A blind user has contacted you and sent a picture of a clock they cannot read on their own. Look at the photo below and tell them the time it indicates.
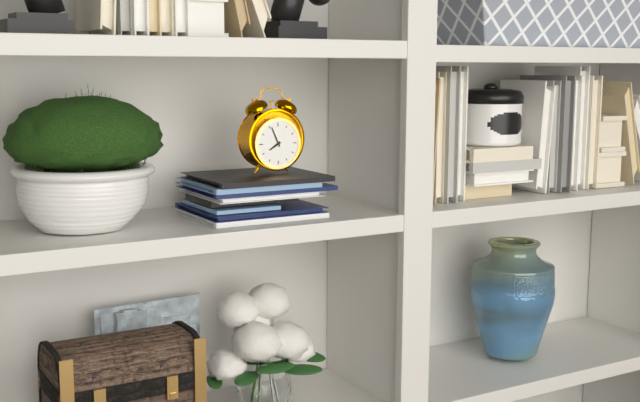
7:56
